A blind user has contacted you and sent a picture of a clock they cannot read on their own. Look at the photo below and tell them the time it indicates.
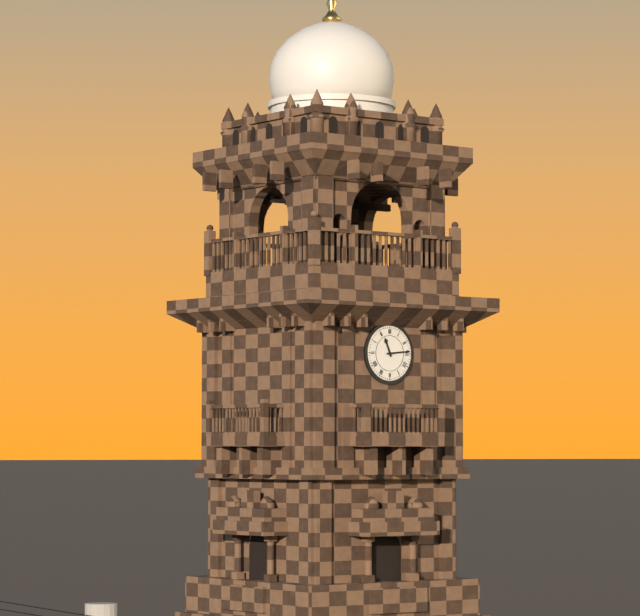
11:14
